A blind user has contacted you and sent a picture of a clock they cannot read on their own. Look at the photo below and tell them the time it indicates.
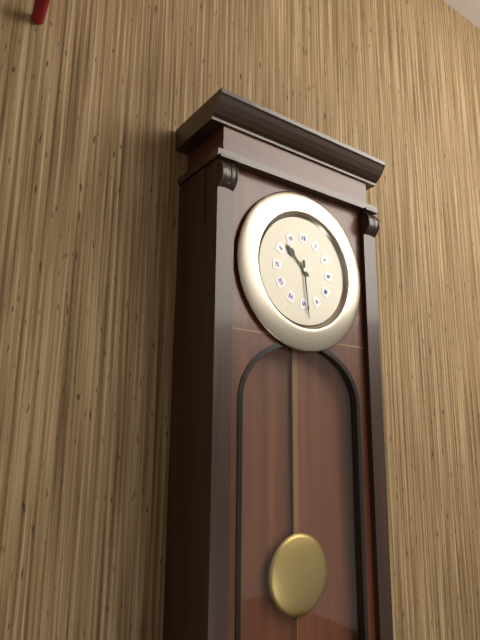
10:29
